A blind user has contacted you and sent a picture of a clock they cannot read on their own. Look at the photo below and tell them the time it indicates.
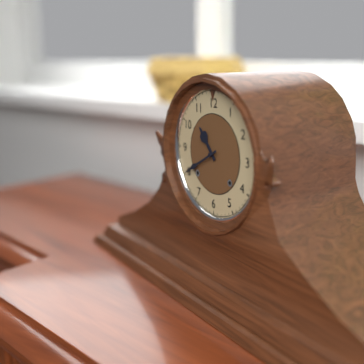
10:40
